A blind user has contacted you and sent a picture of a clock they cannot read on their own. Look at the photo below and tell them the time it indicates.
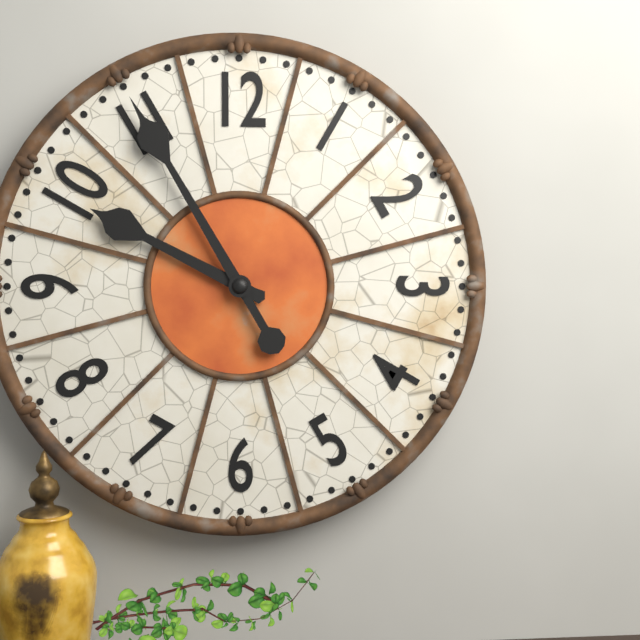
9:55
